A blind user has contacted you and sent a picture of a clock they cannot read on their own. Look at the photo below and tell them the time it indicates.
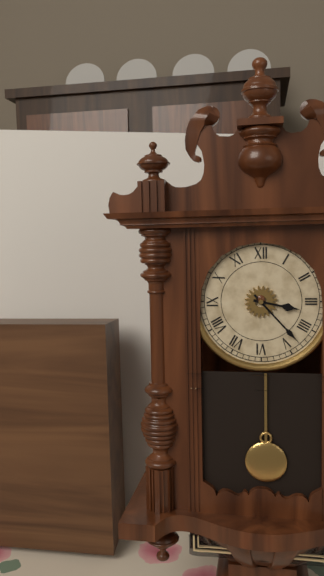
3:23
